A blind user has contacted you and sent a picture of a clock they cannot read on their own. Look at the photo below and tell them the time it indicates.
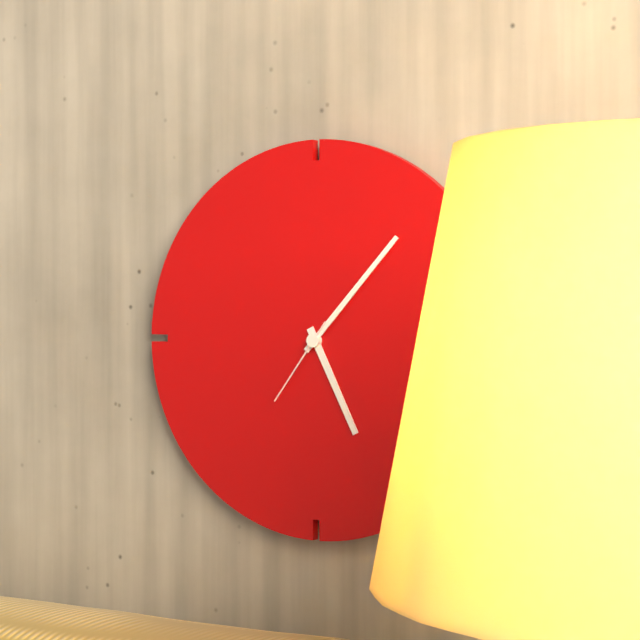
5:07:36
